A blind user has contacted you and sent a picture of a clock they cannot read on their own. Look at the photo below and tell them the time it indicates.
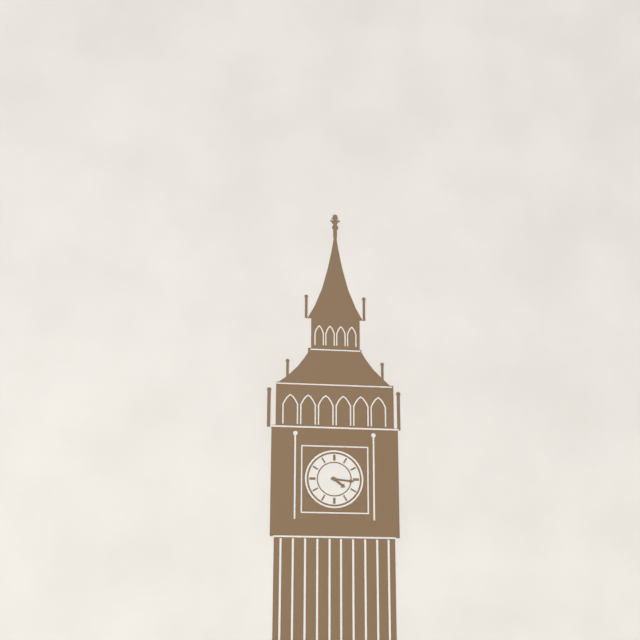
4:16
